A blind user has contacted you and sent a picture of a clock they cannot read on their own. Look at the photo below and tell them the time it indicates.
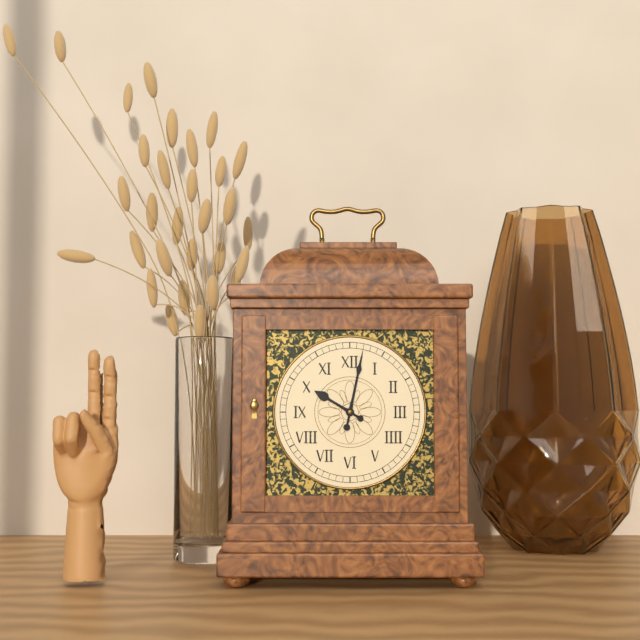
10:02
